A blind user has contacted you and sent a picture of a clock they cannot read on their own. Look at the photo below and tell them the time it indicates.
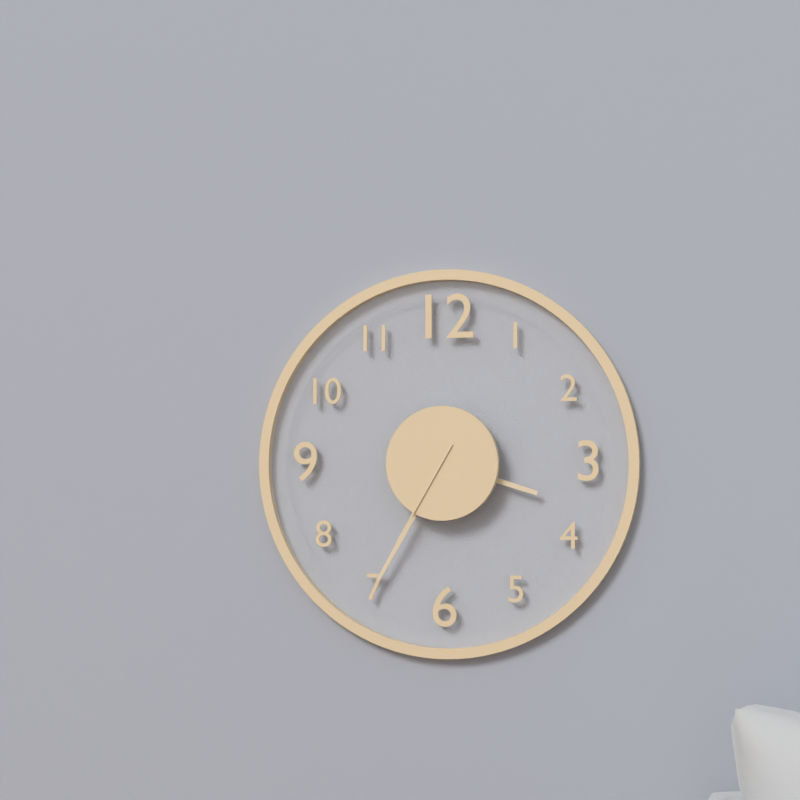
3:35:35
